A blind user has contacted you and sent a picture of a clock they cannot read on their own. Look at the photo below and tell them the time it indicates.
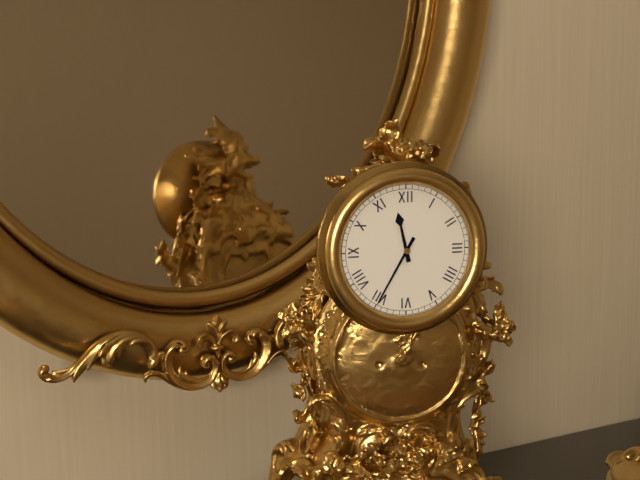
11:35
